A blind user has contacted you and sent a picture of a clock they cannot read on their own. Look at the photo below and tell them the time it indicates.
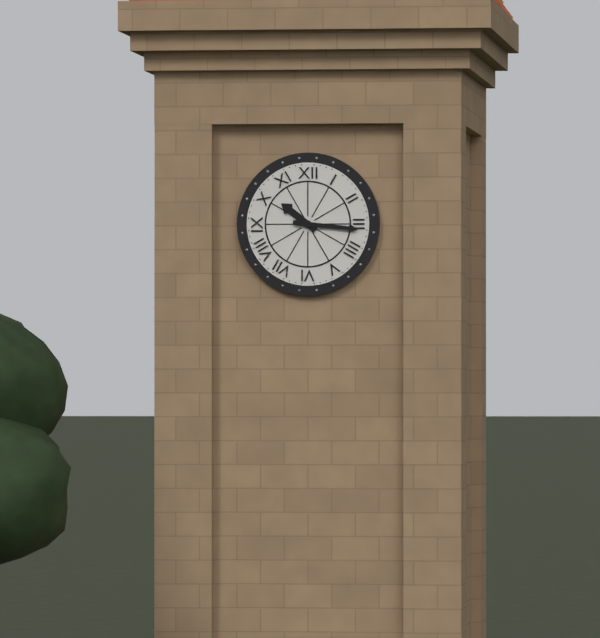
10:16
